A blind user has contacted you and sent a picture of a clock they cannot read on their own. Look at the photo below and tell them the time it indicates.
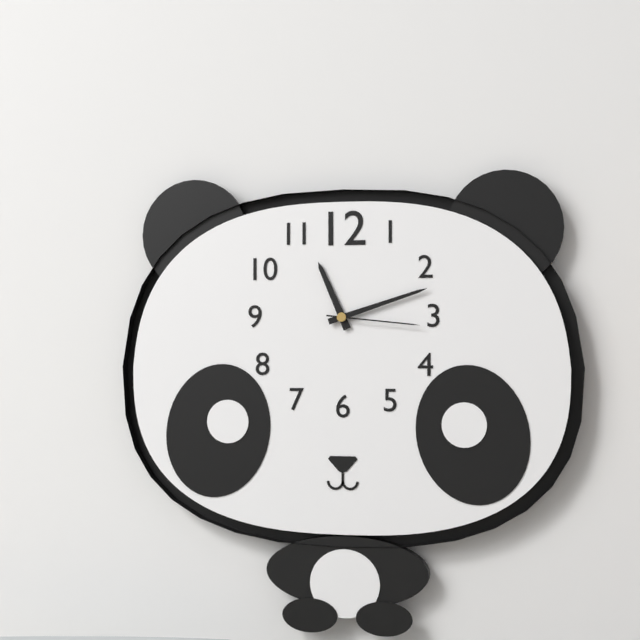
11:12:16
